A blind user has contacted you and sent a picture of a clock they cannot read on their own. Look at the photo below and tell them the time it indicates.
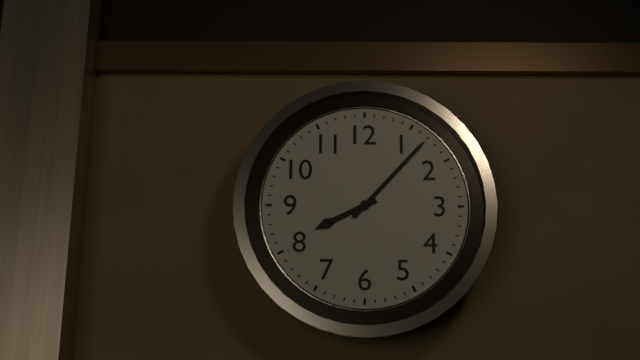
8:07
